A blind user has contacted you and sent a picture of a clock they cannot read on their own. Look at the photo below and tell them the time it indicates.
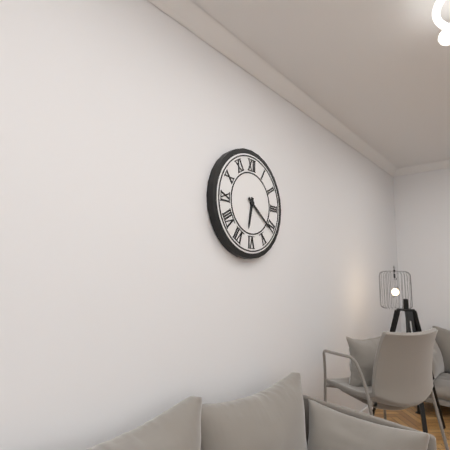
6:21
